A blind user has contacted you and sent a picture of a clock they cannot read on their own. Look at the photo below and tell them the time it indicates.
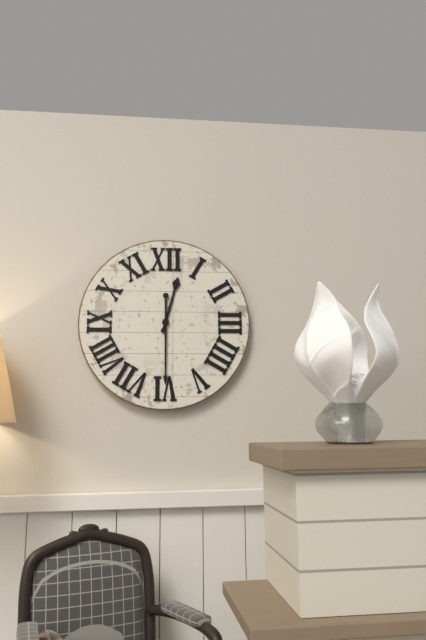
12:30
